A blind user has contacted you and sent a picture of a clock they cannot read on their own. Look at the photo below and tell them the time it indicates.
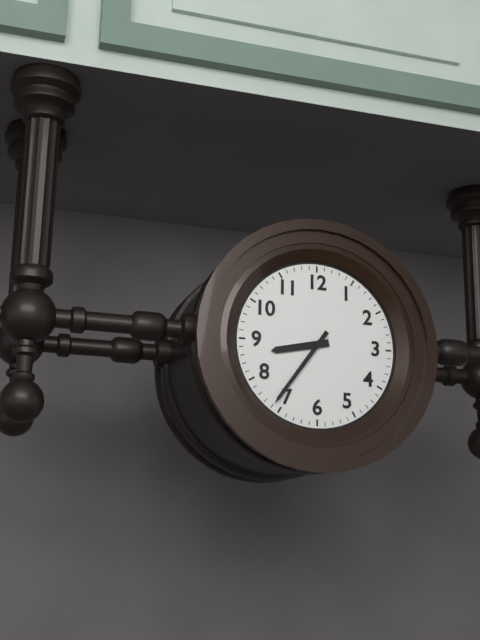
8:36
